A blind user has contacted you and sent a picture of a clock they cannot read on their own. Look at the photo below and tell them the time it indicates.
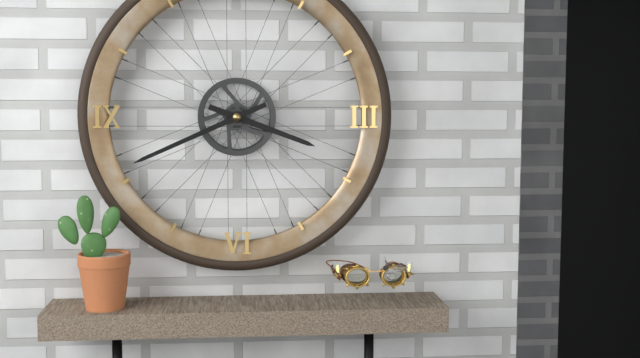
3:41
